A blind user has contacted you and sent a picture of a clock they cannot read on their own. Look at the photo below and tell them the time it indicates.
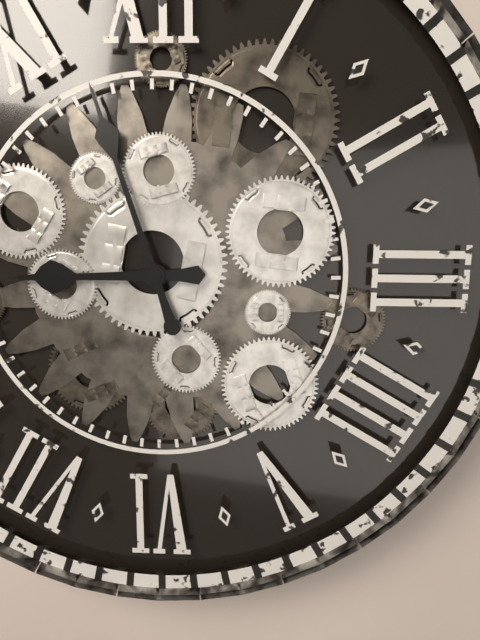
8:57
